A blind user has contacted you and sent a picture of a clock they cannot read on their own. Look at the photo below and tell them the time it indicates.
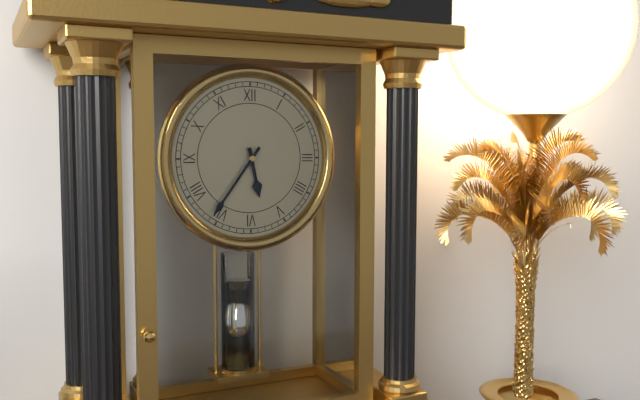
5:36
